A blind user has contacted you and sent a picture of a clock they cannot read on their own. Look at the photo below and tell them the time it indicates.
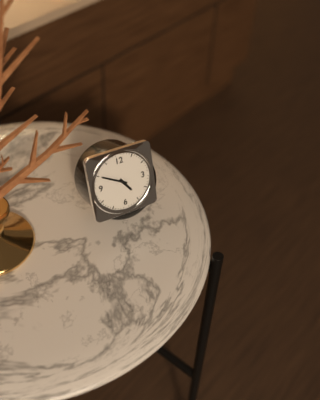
4:50
